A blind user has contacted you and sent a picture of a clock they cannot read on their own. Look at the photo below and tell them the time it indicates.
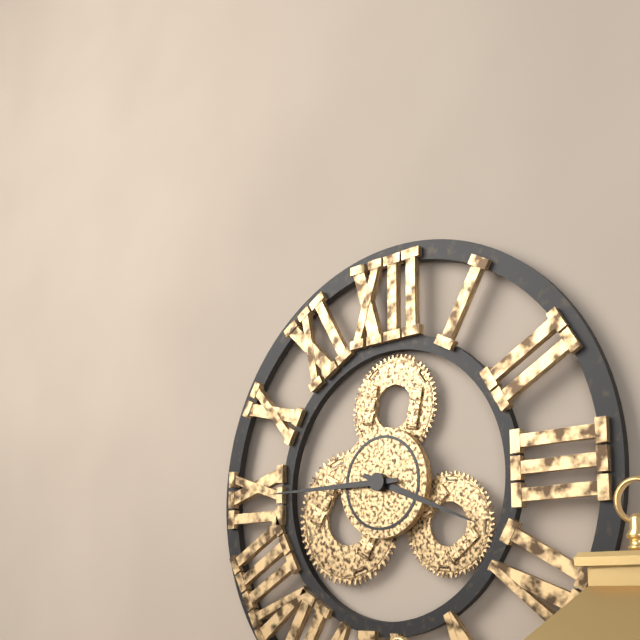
3:45
